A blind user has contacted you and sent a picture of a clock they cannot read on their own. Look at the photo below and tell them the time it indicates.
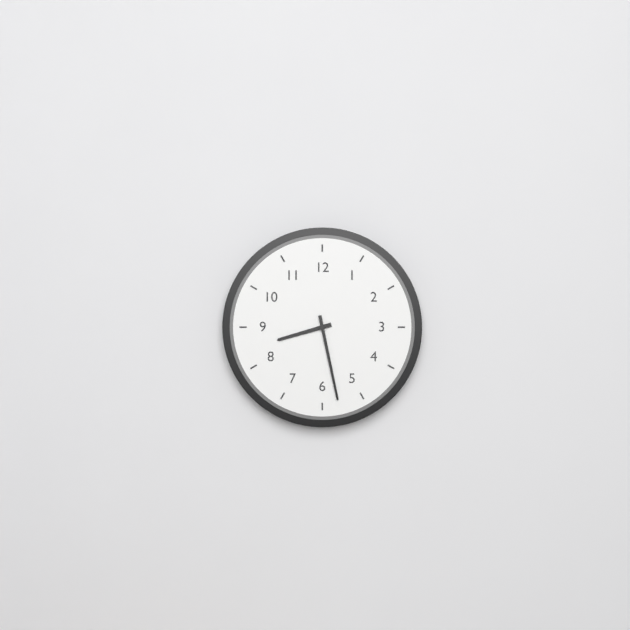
8:28
